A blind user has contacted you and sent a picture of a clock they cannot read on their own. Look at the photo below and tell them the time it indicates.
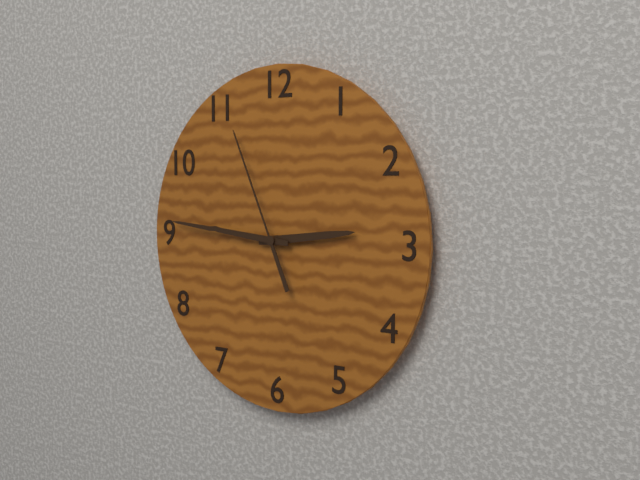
2:46:56
